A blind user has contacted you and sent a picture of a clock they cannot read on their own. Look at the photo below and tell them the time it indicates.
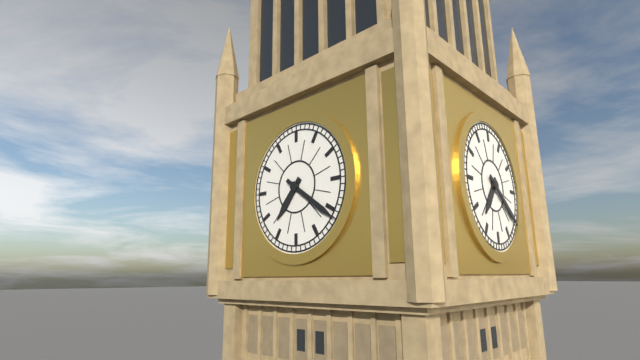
7:21
